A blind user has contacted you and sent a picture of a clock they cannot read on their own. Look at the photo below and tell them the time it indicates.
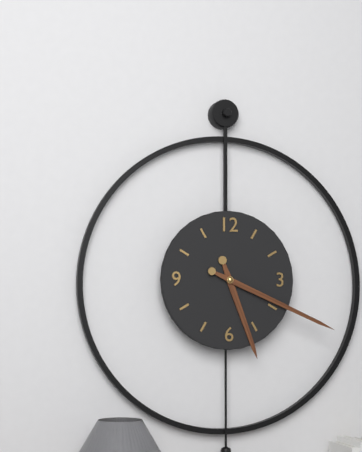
5:19
